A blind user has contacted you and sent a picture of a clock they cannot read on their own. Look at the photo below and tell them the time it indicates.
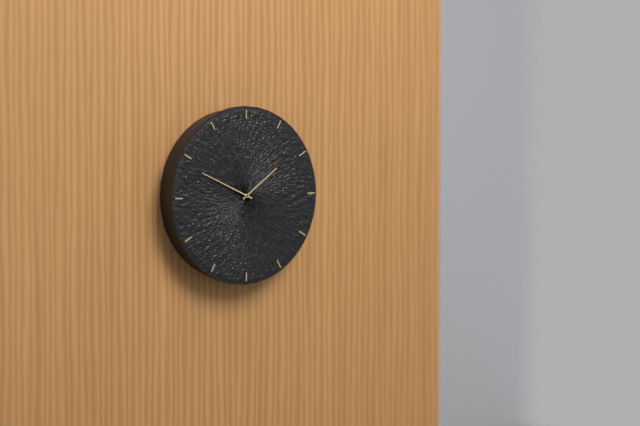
1:49
